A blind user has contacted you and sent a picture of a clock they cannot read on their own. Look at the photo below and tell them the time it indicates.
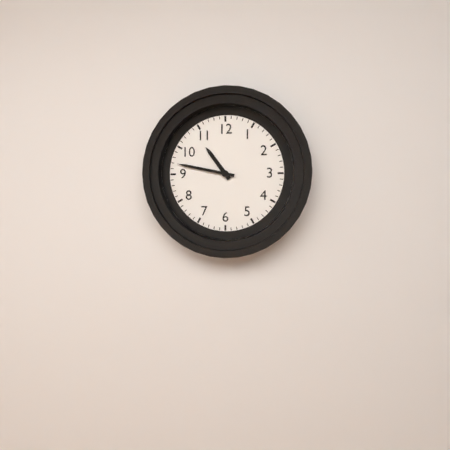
10:47
